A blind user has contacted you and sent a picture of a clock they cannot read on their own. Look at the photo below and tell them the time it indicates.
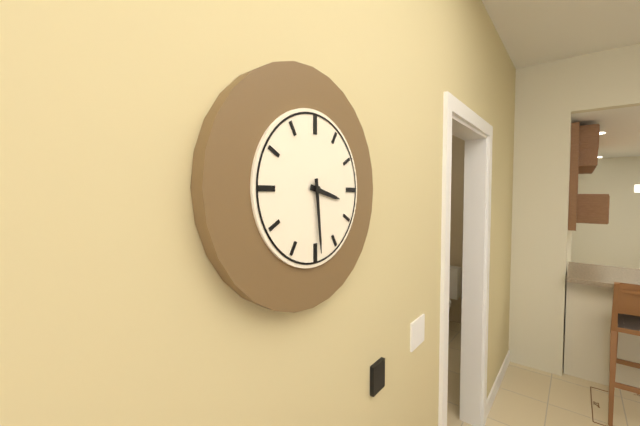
3:29
